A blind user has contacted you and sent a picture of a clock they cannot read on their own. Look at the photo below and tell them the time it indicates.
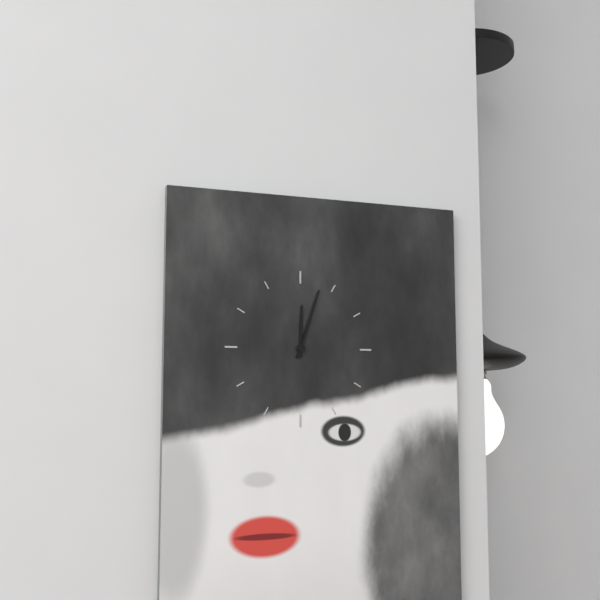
12:03
